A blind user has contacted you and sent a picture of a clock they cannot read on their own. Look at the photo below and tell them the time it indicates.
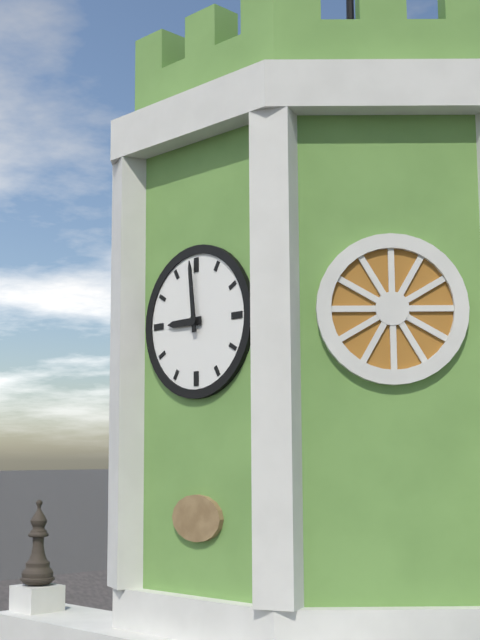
8:59
